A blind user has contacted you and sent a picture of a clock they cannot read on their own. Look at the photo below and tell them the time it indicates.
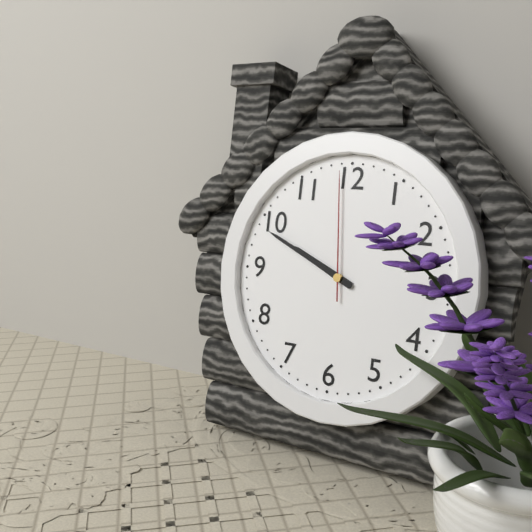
9:49:59
